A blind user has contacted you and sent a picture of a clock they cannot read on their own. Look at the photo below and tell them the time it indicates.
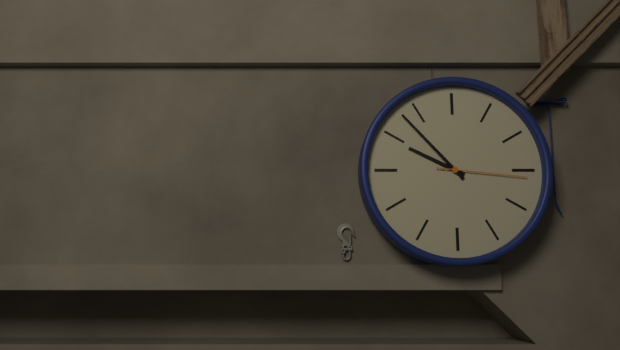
9:53:16
